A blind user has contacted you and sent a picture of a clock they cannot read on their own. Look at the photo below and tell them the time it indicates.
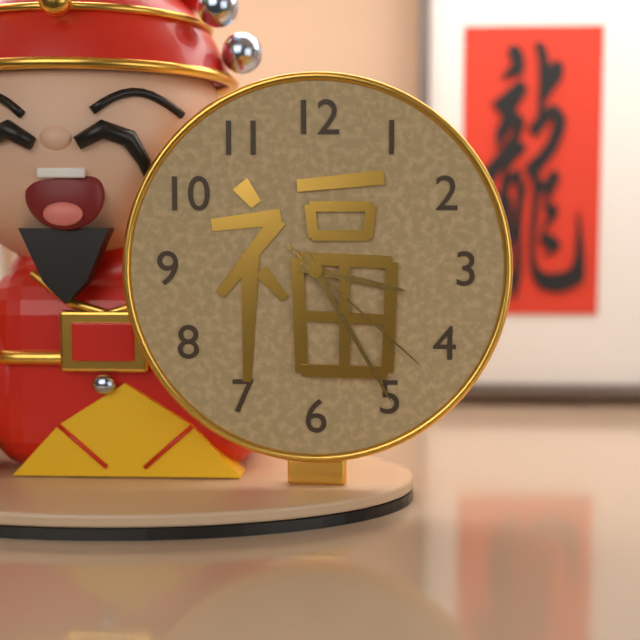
3:25:22
